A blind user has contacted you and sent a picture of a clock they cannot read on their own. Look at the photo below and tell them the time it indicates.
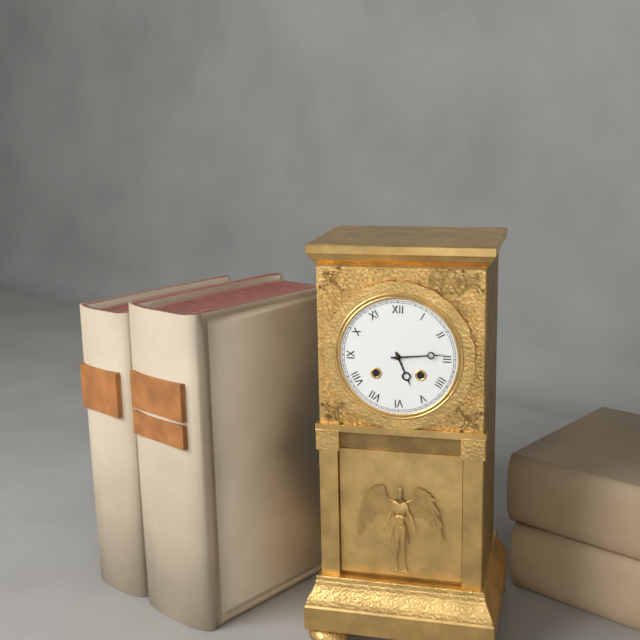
5:14
